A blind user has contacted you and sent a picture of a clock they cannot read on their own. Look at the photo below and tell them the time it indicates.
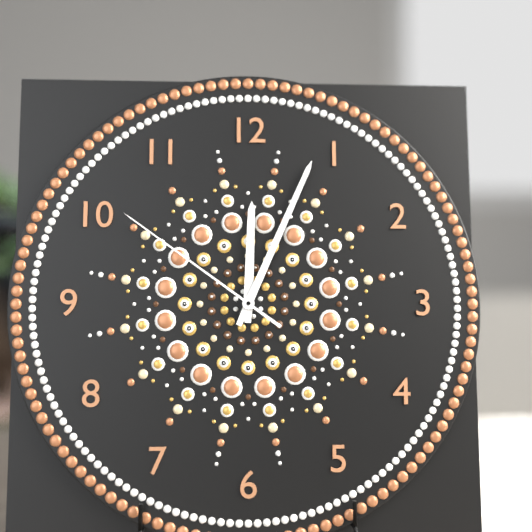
12:04:51
